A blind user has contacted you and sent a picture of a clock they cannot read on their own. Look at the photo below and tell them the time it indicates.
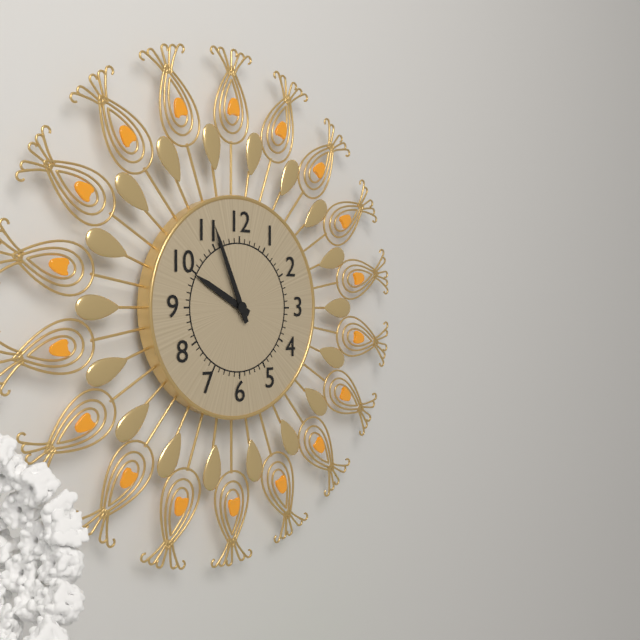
9:56
